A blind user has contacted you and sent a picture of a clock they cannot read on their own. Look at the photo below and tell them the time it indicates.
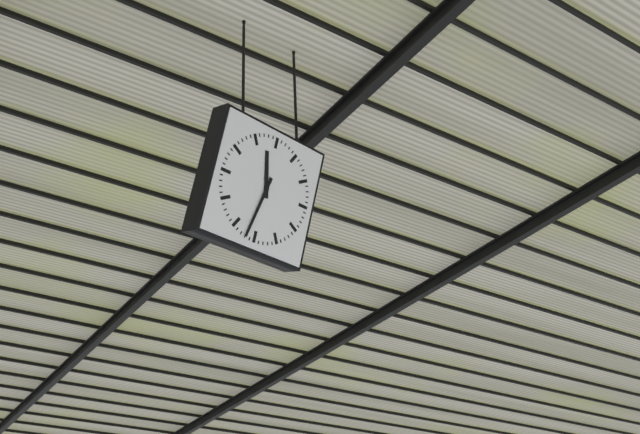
11:32
